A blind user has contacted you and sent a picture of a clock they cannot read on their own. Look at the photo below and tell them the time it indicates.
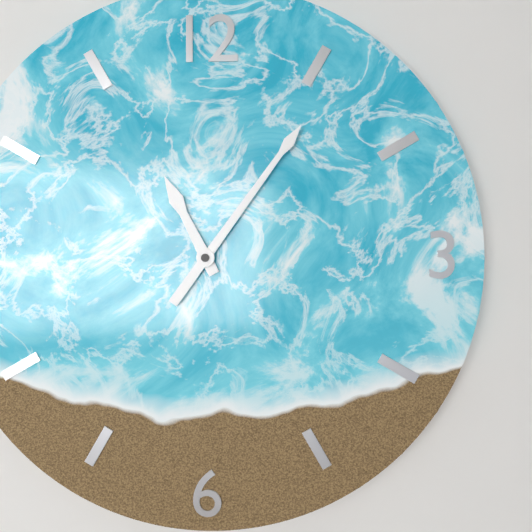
11:06
